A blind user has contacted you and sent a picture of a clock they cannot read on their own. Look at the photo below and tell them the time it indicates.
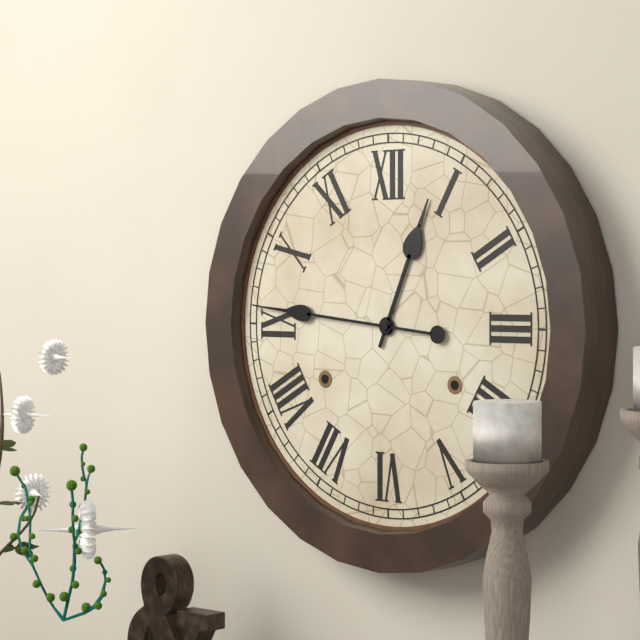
12:46
